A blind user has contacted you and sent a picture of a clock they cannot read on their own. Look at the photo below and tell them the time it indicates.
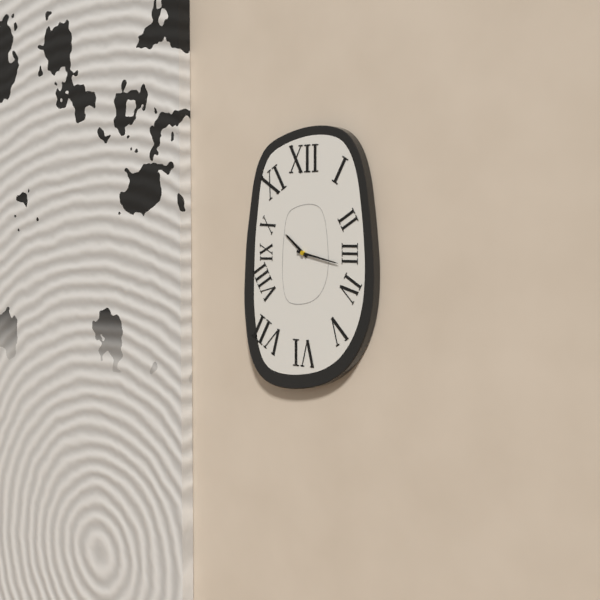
10:17
